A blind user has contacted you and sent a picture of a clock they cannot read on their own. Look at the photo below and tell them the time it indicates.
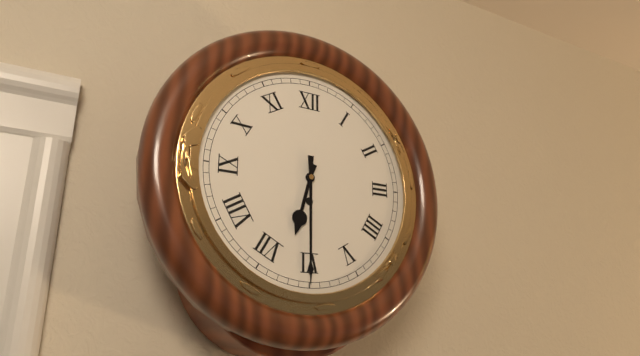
6:30
